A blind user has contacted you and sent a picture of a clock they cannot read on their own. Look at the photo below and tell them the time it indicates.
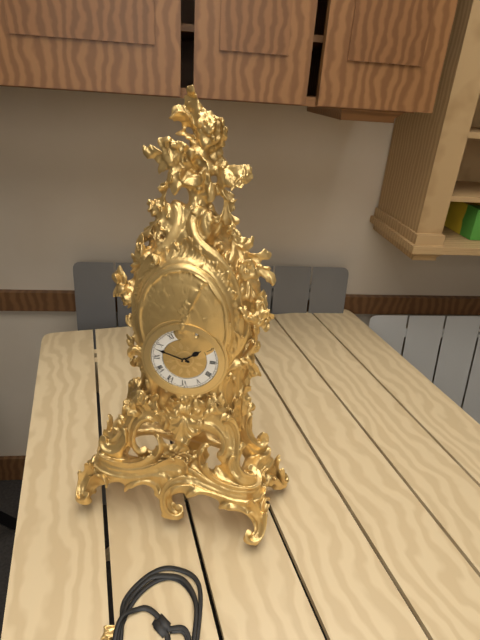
1:48
